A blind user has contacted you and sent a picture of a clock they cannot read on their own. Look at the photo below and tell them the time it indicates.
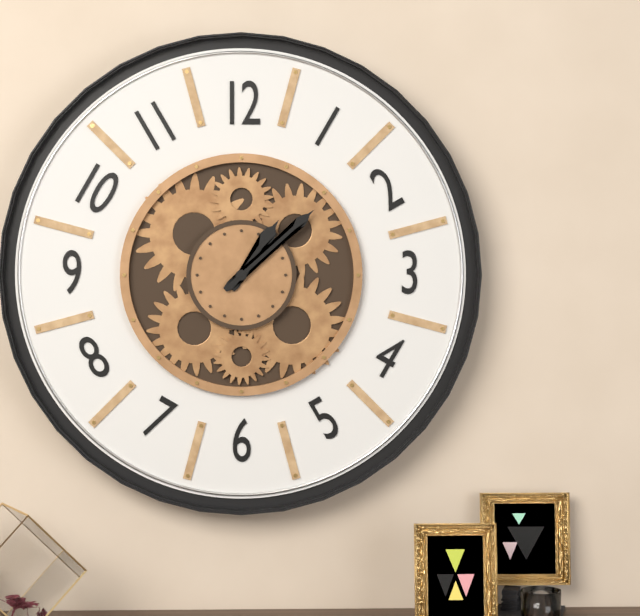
1:08
